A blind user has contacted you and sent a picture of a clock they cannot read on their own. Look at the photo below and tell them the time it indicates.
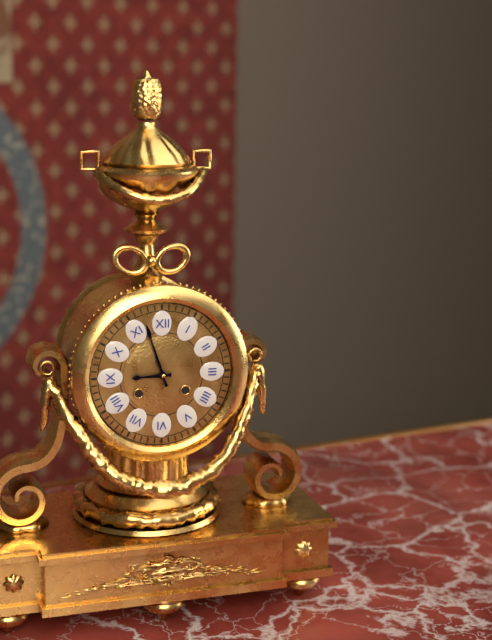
8:57
